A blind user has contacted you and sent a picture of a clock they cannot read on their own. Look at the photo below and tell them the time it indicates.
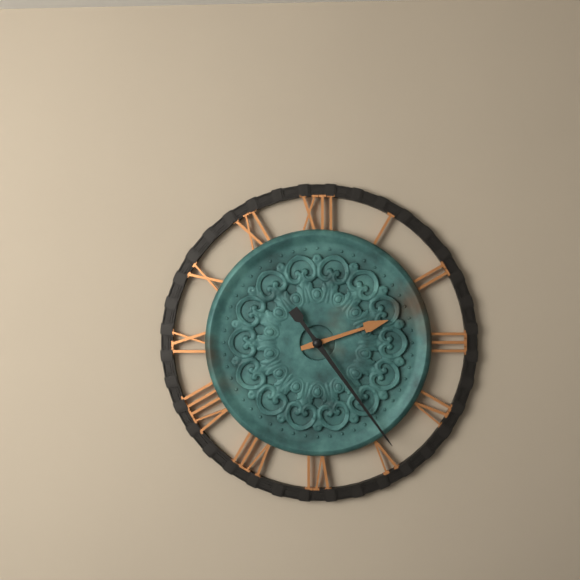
2:24
